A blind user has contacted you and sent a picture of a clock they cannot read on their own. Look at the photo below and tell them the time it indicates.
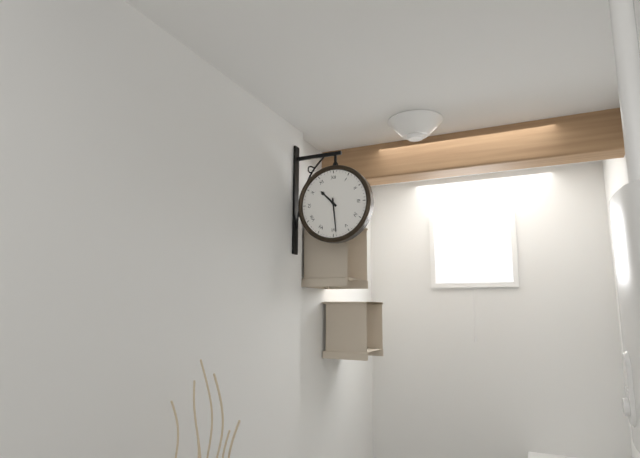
10:29
